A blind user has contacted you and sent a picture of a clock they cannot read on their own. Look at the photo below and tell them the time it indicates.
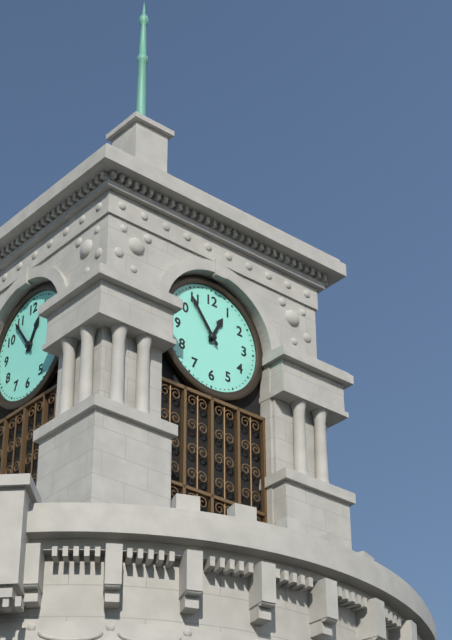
12:54
